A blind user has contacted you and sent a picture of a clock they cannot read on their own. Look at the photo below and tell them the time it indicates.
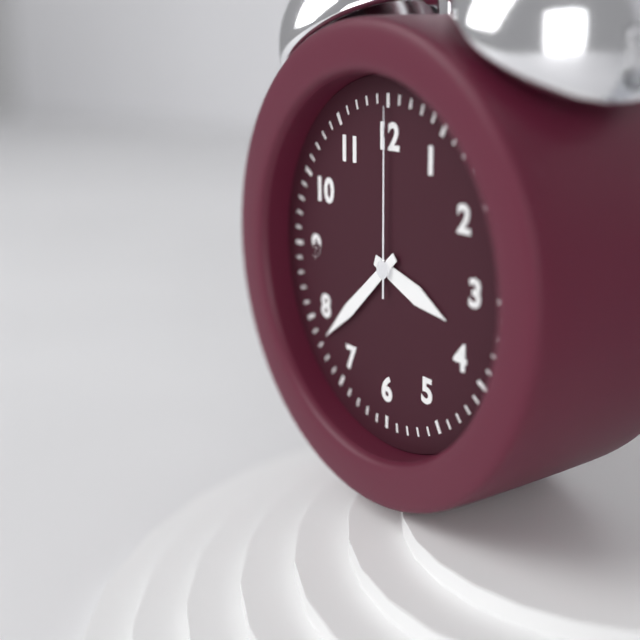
3:38:00
